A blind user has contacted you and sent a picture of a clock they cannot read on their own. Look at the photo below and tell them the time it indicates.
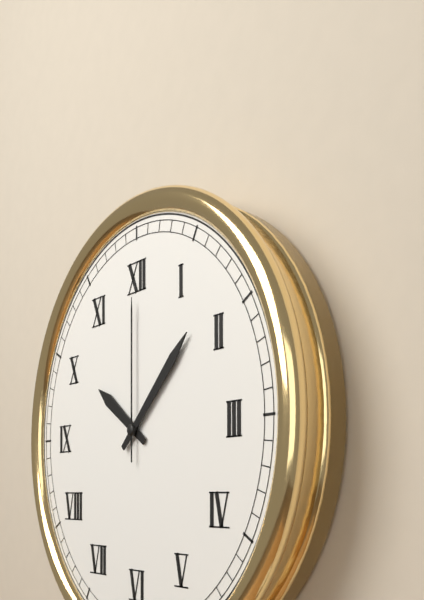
10:08:00
